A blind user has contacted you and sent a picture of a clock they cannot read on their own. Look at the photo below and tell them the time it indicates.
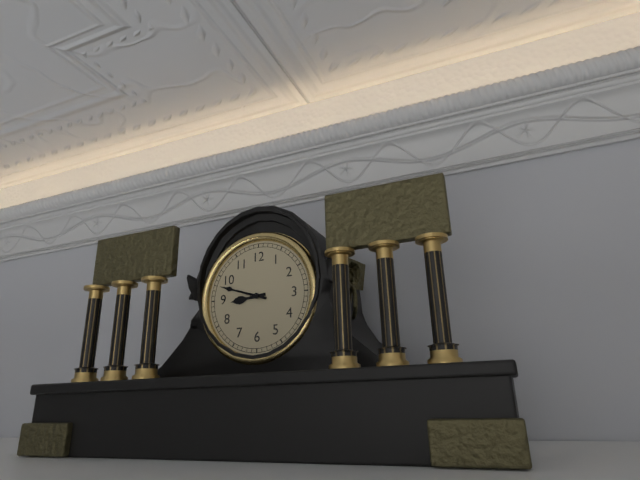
8:48
